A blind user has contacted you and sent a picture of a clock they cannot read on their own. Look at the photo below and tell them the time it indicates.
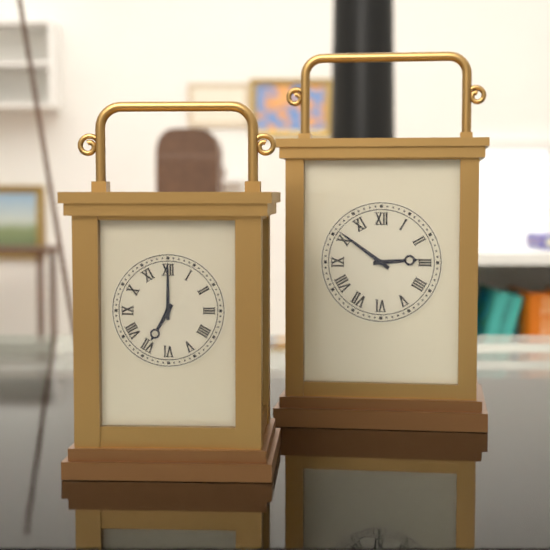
2:51
